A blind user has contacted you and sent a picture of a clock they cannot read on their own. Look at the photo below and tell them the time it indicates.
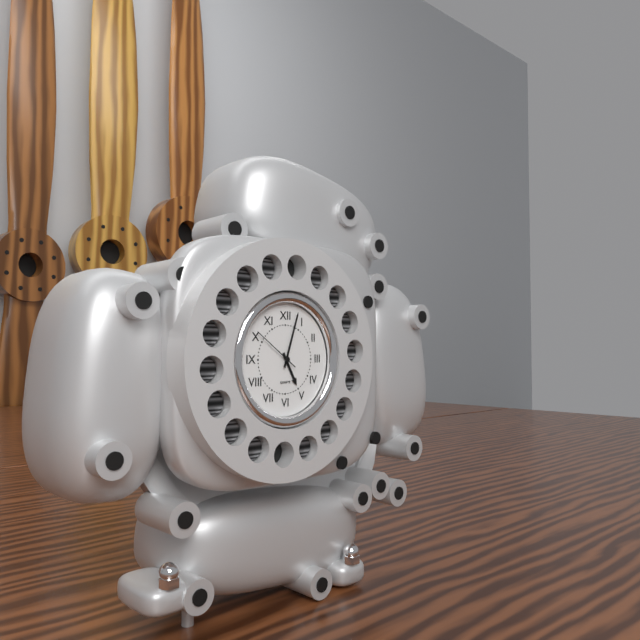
5:03
